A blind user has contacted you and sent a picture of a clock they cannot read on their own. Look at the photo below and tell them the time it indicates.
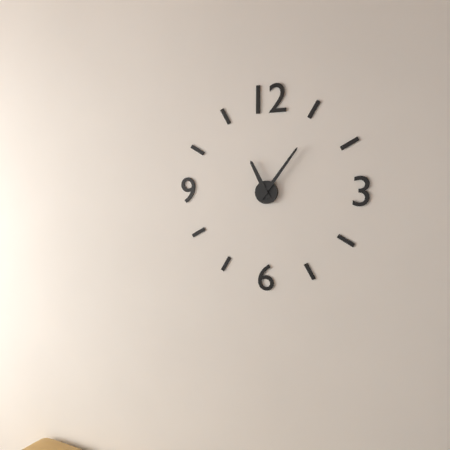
11:06
